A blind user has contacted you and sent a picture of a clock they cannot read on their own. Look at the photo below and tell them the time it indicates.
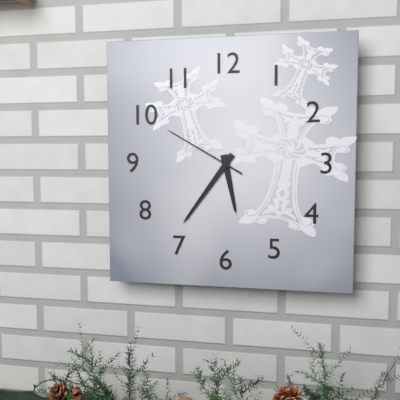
5:36:50
